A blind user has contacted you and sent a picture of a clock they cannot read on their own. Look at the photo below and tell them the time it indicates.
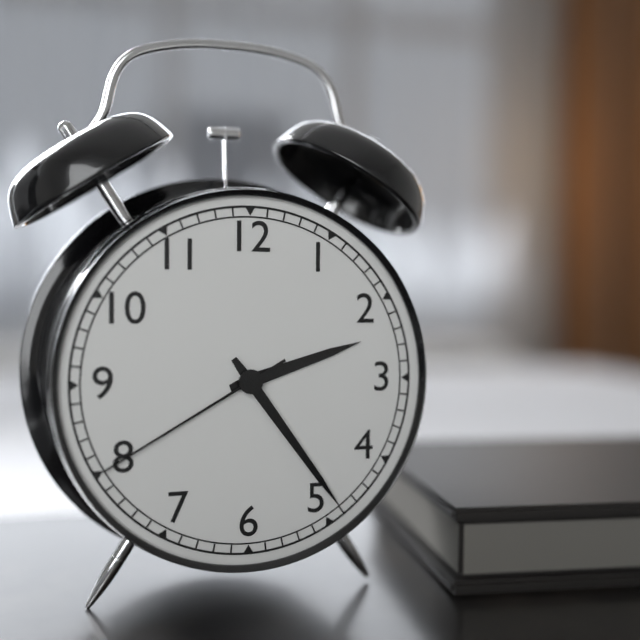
2:24:40
